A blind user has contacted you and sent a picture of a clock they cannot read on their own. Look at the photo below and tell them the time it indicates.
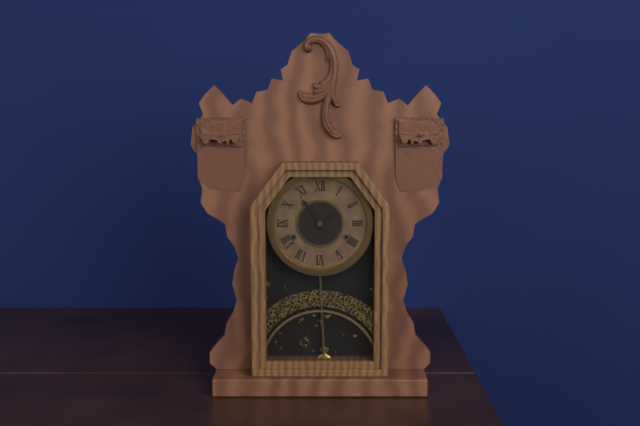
1:54
